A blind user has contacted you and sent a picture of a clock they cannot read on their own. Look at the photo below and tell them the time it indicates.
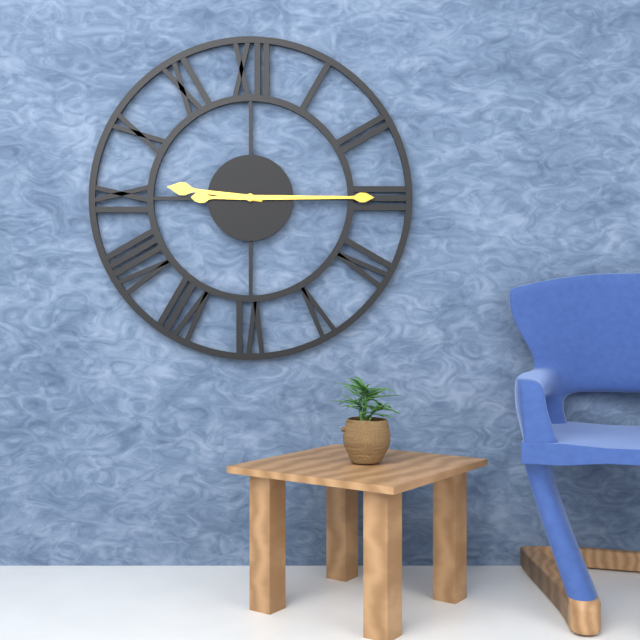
9:15
